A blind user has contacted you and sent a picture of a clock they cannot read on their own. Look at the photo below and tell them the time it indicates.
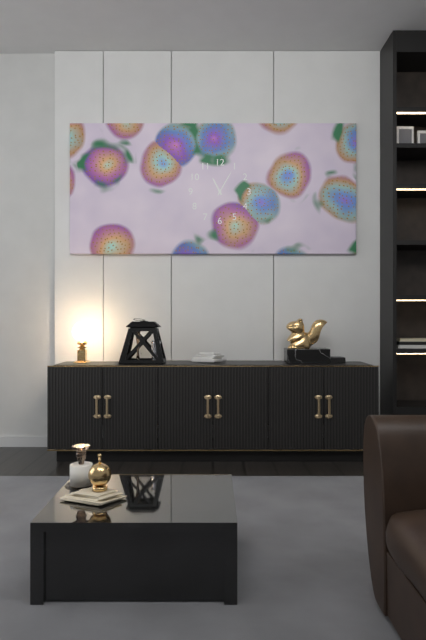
11:05
